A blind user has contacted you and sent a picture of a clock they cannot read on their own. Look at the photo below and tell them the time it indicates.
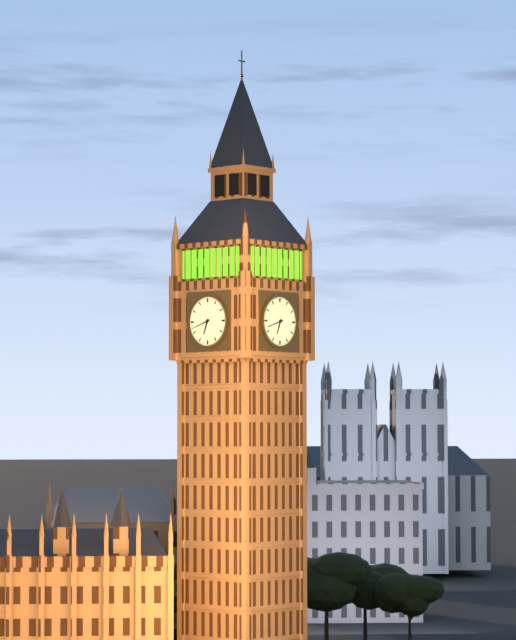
6:42
